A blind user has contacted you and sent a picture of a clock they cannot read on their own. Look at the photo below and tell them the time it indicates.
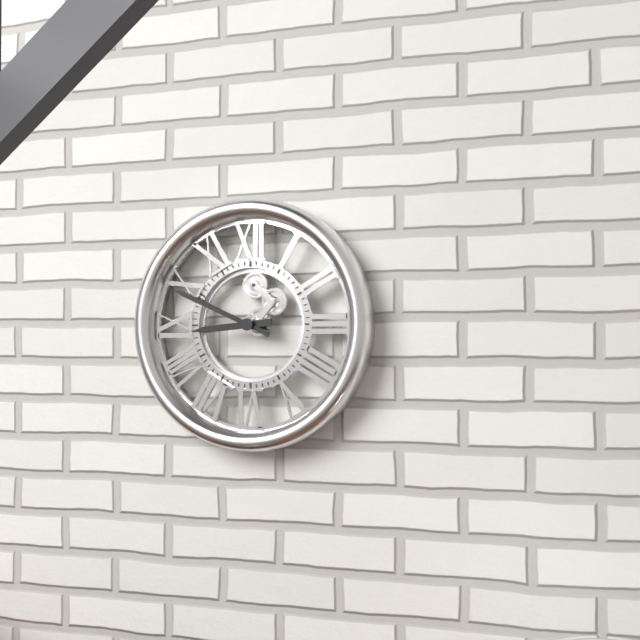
8:49
